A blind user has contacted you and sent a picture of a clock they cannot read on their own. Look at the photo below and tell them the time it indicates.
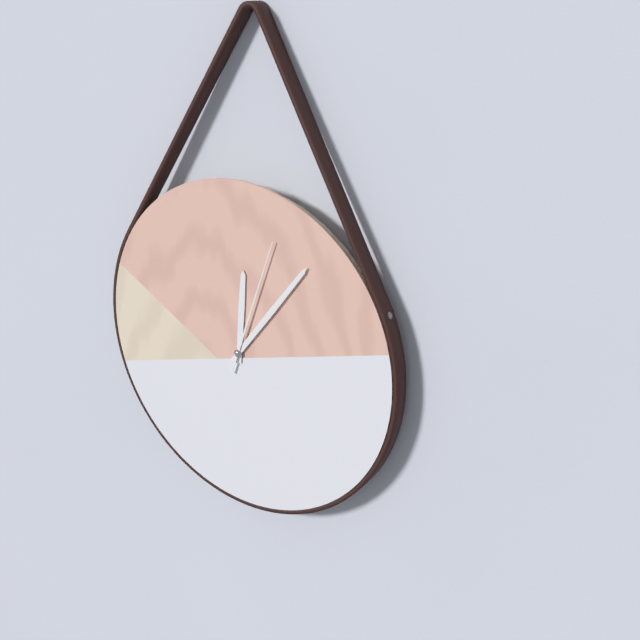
12:06:03
